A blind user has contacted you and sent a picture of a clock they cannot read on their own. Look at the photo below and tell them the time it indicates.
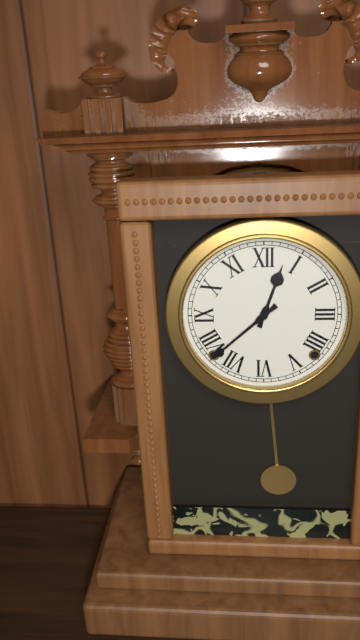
12:38
